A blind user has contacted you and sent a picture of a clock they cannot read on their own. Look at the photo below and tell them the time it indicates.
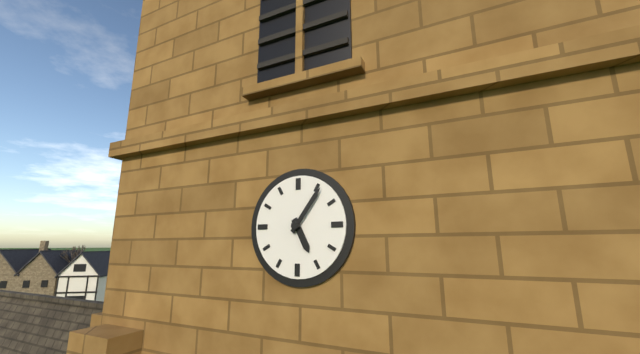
5:06
